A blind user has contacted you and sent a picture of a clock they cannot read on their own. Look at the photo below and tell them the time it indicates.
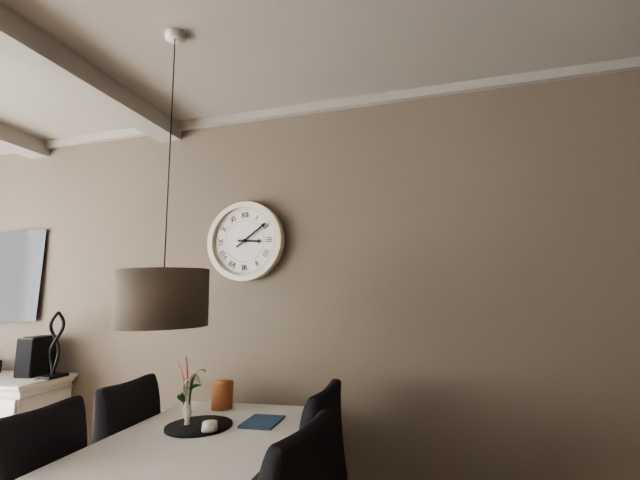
3:09
